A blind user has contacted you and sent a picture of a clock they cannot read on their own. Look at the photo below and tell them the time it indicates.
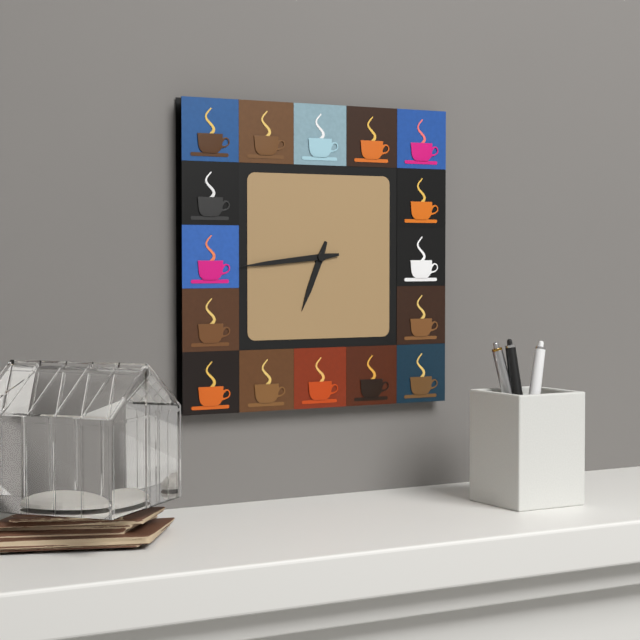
6:44
